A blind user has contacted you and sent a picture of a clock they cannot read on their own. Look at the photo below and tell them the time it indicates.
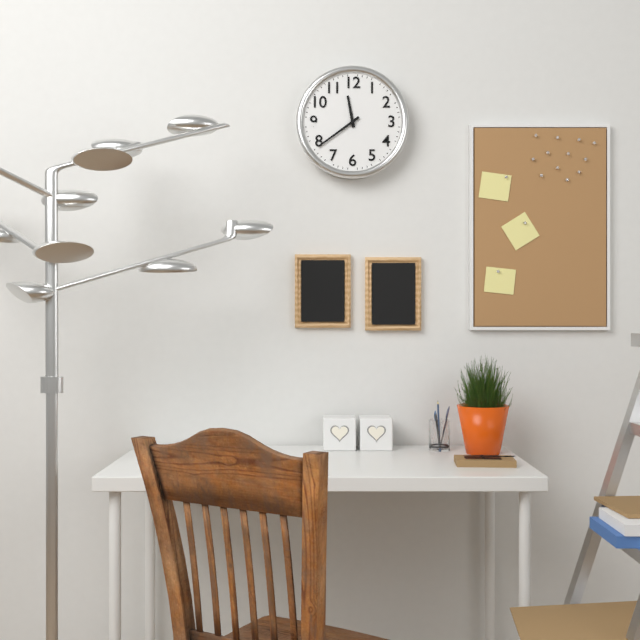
11:39
